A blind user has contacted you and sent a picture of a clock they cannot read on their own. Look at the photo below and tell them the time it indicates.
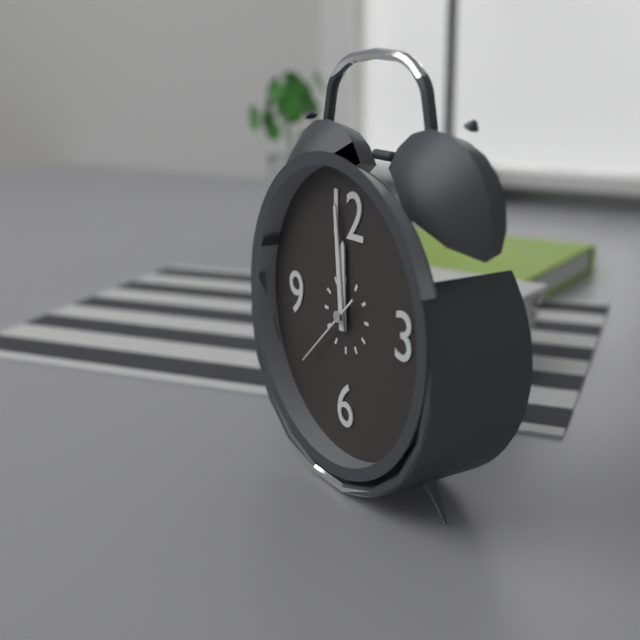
11:59:38
